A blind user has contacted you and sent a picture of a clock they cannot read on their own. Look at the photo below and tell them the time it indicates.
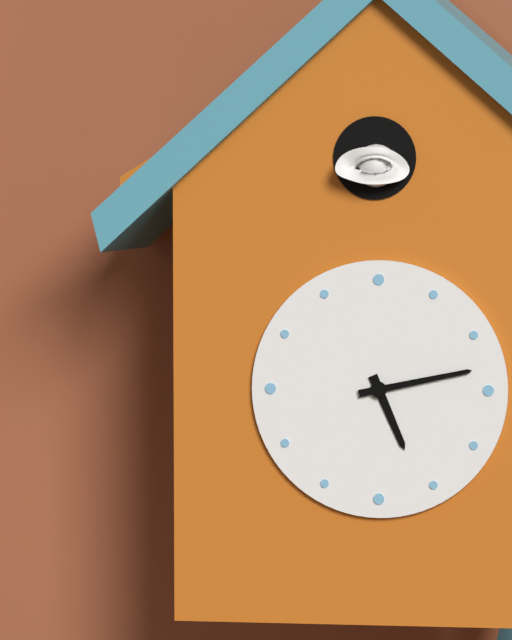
5:13
